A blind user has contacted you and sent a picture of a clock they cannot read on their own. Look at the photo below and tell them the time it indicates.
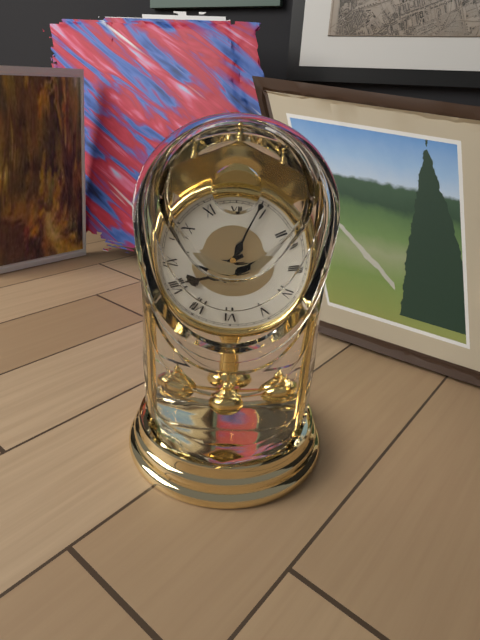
8:04
